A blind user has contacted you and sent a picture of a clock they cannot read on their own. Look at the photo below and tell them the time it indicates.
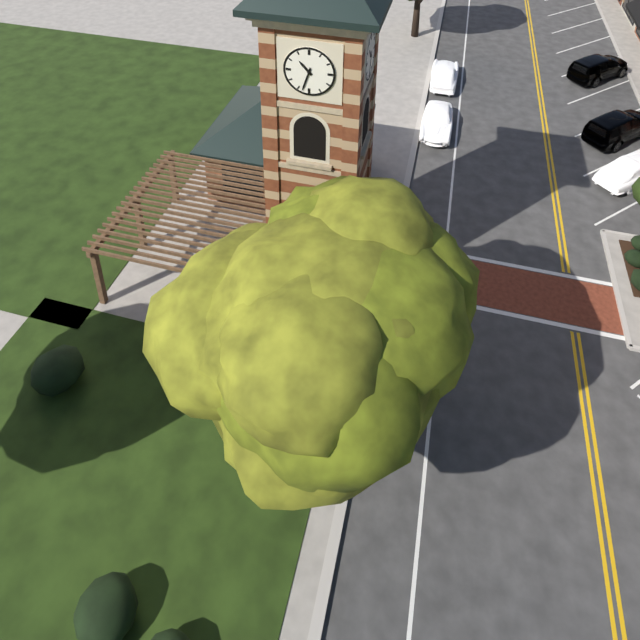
10:33
